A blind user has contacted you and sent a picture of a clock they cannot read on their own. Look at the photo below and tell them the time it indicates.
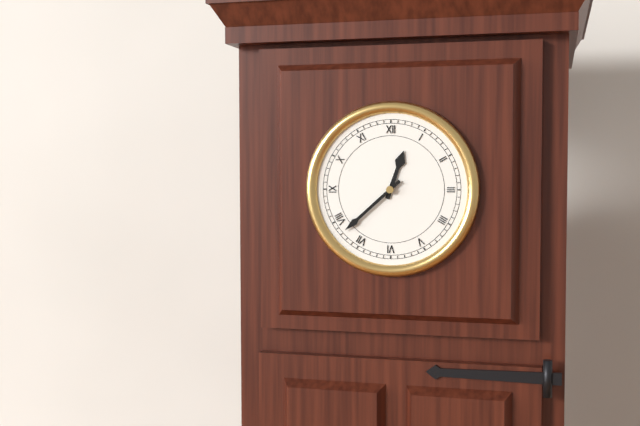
12:38
